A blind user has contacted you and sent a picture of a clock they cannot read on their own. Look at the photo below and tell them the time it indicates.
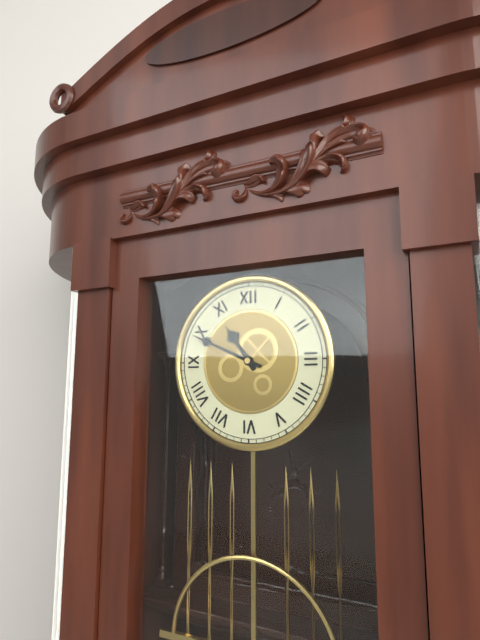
10:49
